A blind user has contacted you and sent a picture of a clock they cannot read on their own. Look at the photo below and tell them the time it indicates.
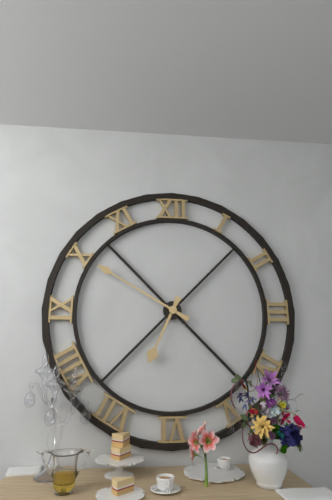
6:50
